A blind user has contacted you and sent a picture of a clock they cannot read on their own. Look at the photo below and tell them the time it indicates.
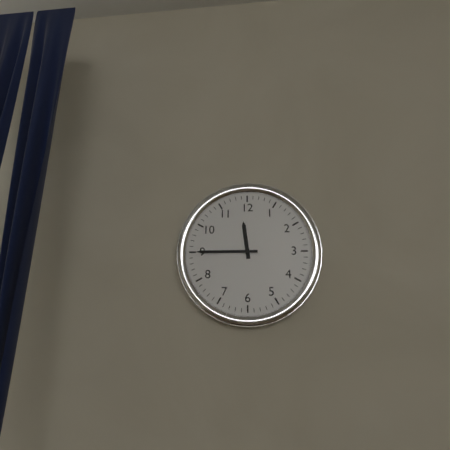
11:45
